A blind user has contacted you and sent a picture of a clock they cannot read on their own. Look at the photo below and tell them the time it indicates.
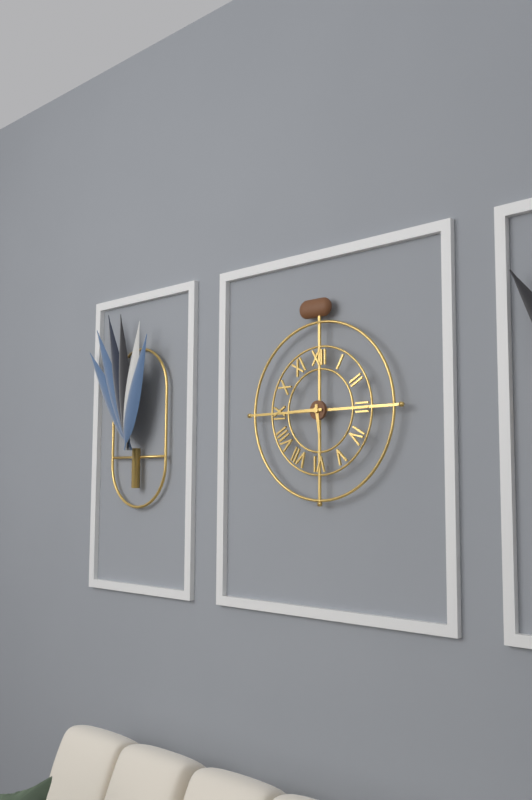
5:45
